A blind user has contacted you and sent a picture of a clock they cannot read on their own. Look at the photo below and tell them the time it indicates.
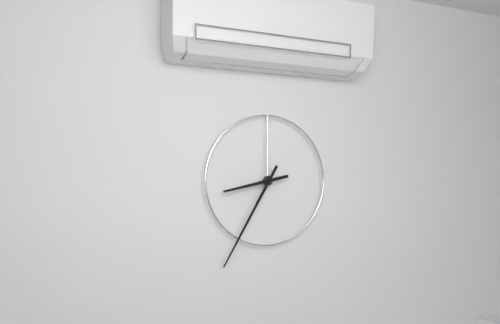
8:35
